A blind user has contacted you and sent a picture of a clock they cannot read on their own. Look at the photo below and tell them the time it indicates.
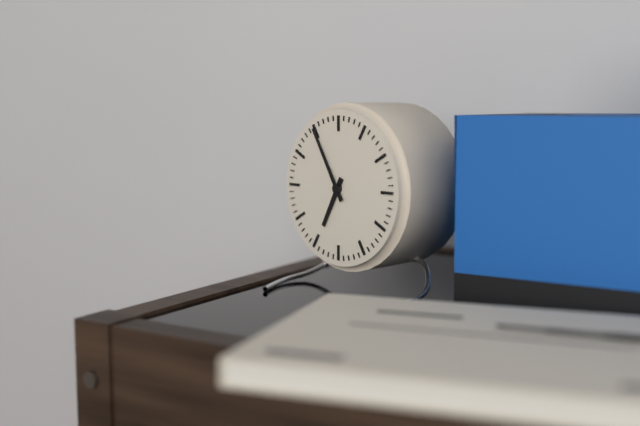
6:55
